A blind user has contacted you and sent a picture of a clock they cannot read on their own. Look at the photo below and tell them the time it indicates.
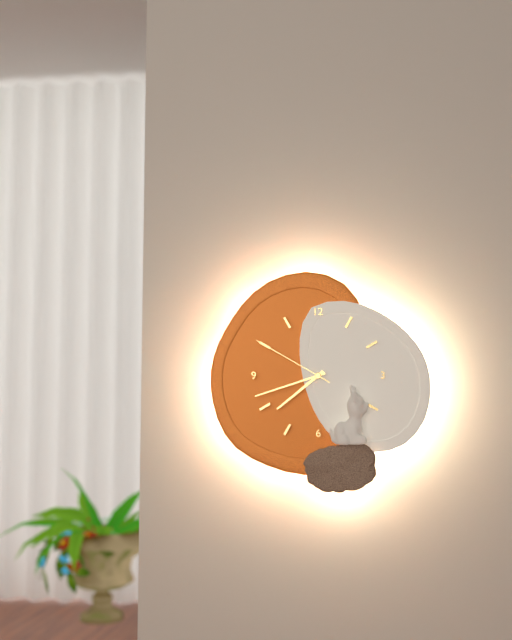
7:42:50
